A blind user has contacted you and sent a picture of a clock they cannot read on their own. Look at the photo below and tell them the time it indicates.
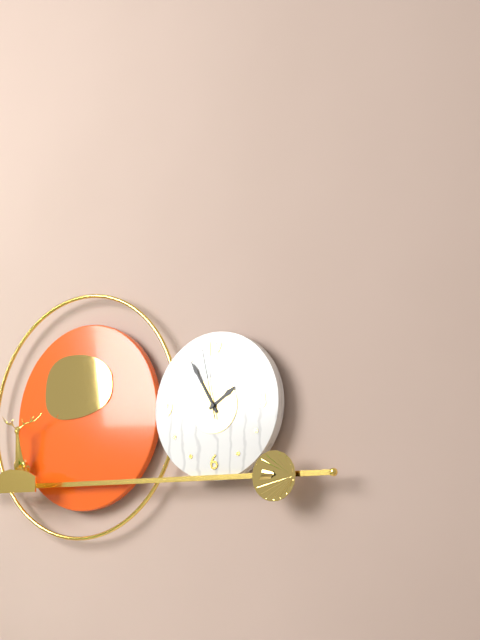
1:55:58
